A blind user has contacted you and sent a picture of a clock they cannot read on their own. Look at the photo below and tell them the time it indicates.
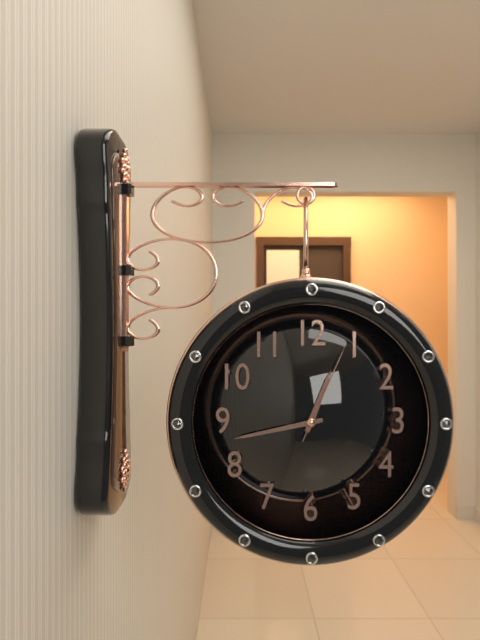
12:43:04
